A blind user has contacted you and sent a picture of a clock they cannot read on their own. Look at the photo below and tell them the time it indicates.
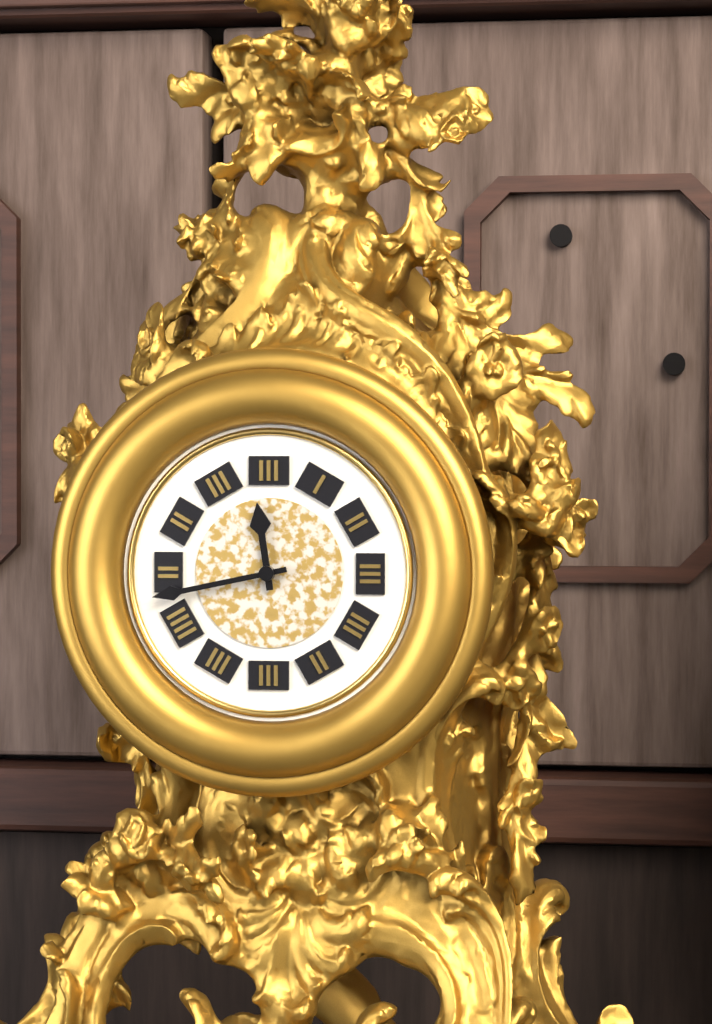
11:43
